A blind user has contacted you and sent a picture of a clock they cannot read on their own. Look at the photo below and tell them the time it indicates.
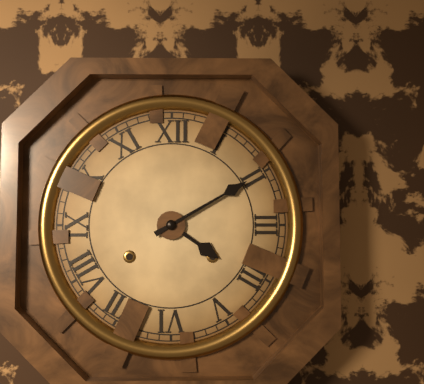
4:10
